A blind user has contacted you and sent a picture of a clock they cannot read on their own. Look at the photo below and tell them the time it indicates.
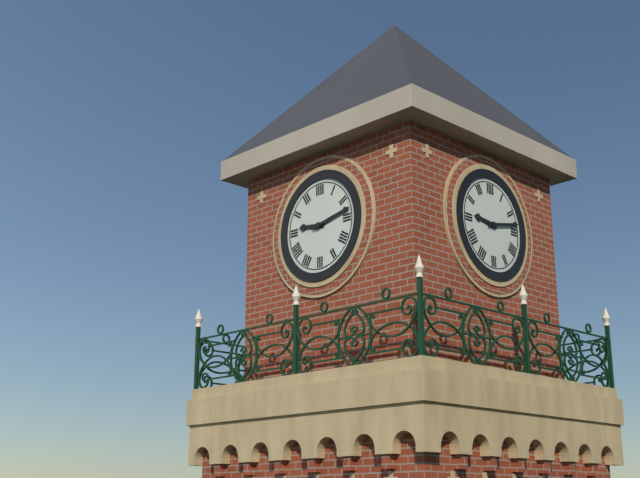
9:13
